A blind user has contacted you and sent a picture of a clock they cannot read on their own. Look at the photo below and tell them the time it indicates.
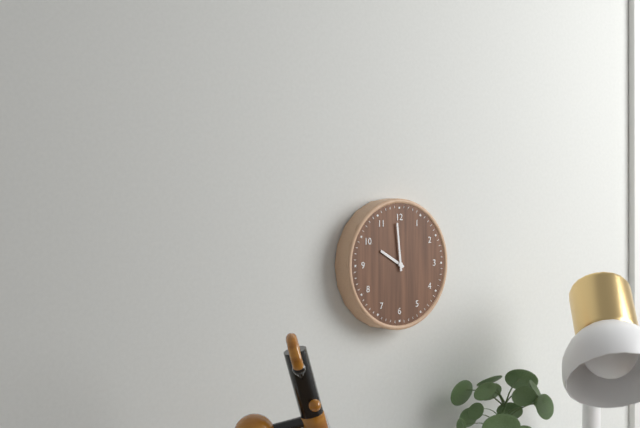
9:59
